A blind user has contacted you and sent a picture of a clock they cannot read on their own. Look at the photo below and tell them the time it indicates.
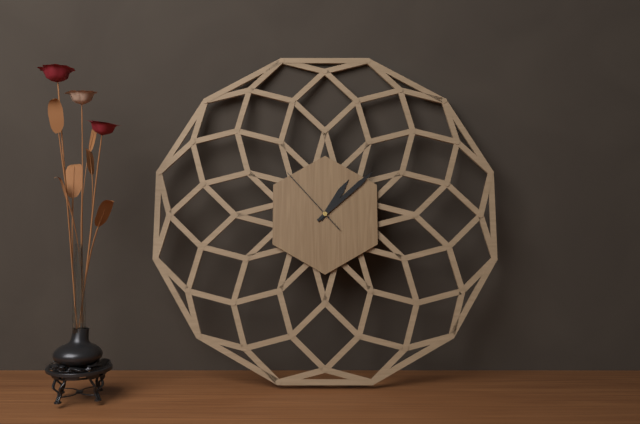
1:08:53
